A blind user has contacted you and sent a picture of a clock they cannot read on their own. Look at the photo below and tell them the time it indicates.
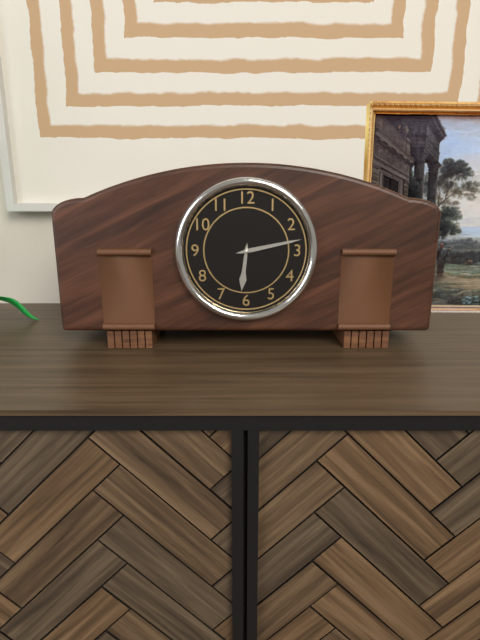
6:13
